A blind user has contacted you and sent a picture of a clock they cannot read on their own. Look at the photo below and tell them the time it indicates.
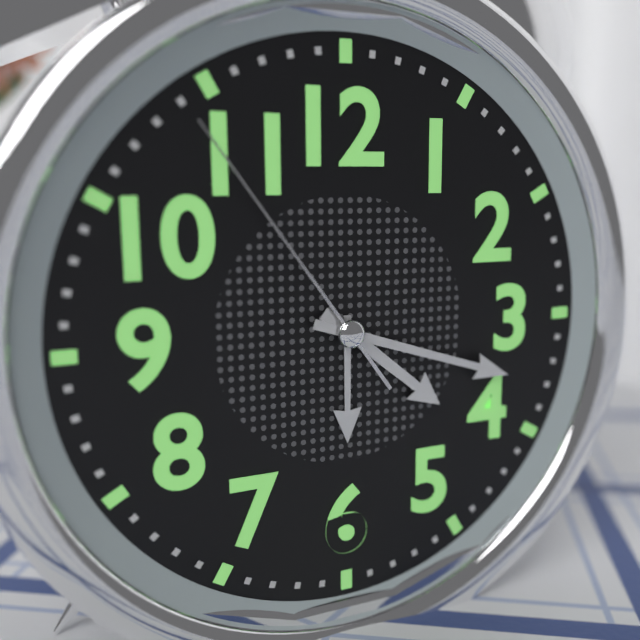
4:18:54
